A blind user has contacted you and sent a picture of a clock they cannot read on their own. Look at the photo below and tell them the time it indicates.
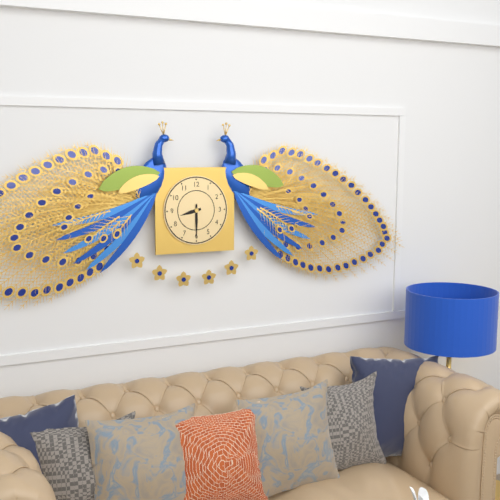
8:30
